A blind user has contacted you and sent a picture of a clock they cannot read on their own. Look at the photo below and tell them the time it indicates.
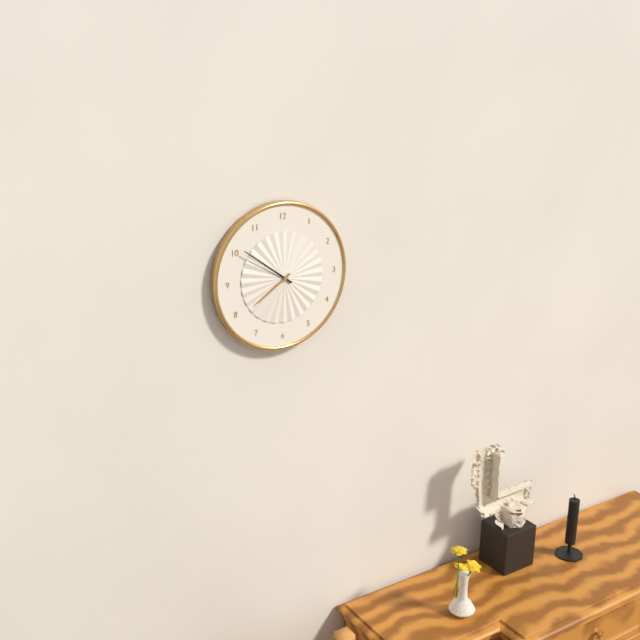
7:51
